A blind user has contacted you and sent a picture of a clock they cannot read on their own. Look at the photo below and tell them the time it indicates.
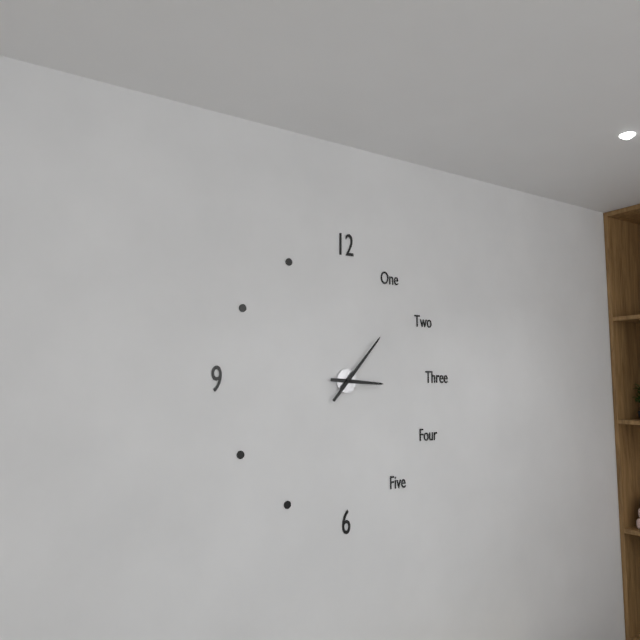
3:07
